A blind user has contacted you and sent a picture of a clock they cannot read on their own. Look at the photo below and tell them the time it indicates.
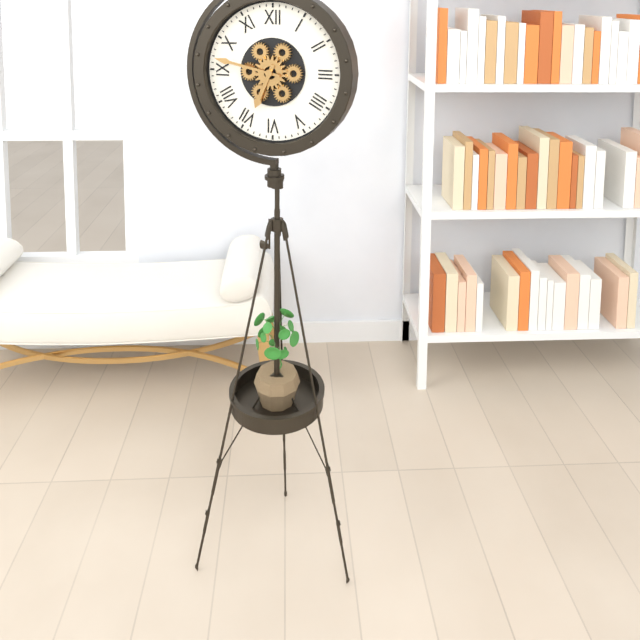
6:47
